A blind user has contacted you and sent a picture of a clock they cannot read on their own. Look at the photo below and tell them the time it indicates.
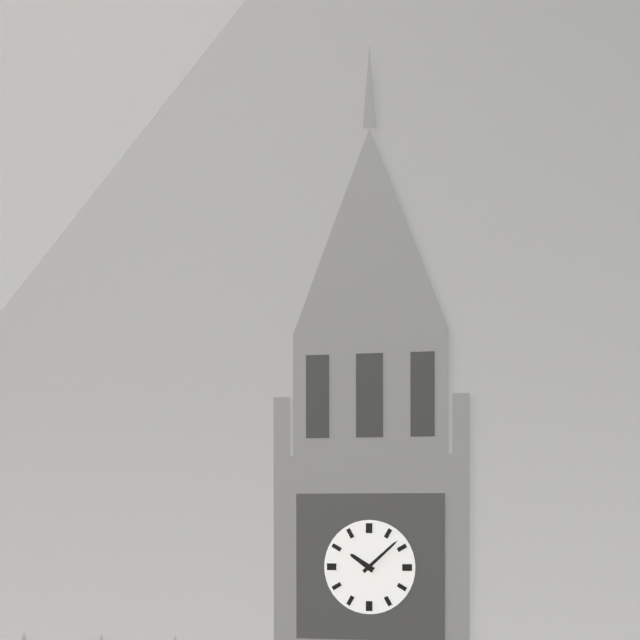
10:08
